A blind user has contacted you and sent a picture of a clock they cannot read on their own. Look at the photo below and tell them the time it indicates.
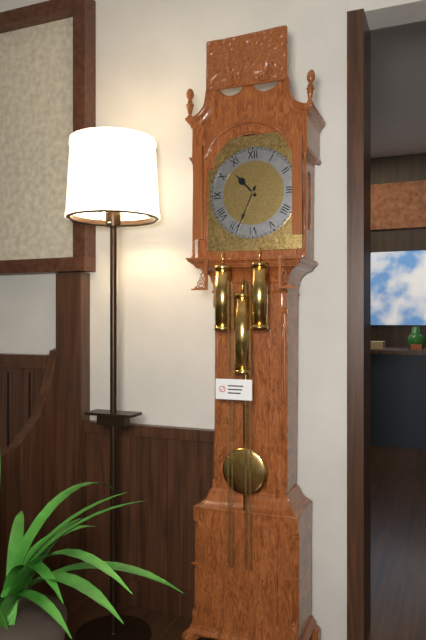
10:34
